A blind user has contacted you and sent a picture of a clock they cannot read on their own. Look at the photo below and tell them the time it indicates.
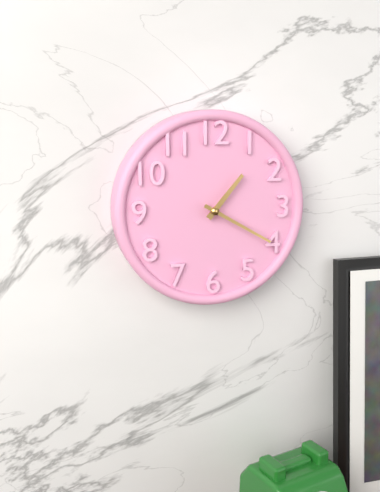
1:20
